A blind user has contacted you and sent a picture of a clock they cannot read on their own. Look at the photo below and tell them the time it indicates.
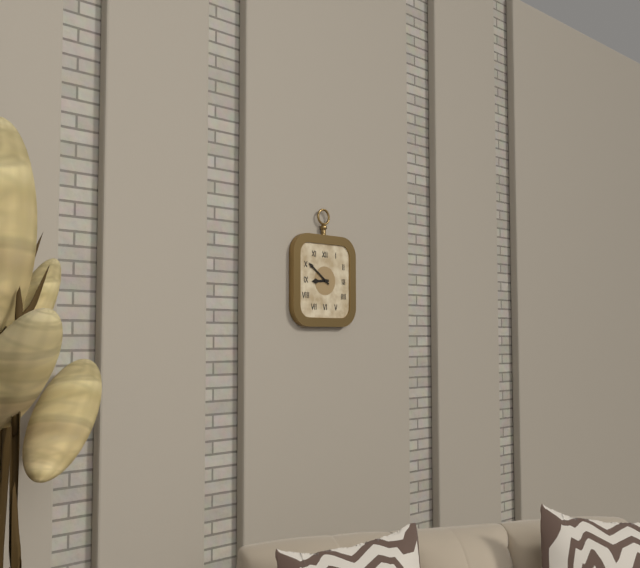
8:51
